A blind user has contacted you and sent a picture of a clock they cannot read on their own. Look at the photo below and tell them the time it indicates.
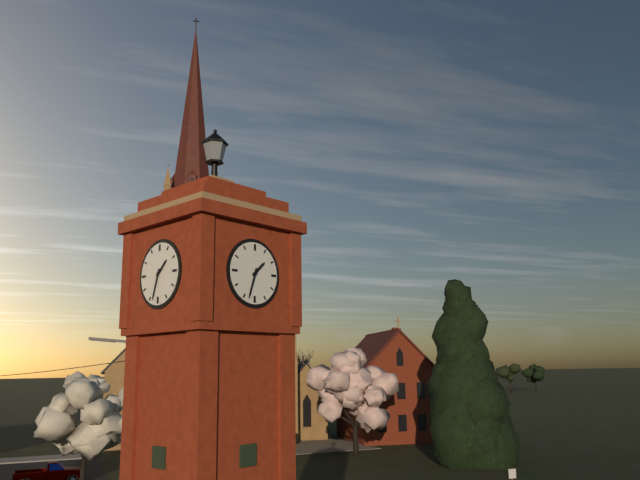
1:33
